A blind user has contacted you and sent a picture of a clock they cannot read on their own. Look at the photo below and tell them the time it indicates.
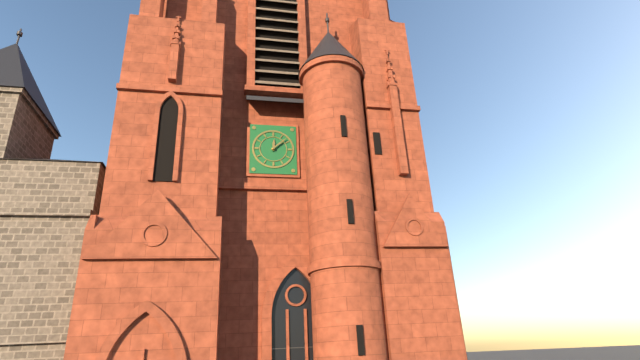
12:08
